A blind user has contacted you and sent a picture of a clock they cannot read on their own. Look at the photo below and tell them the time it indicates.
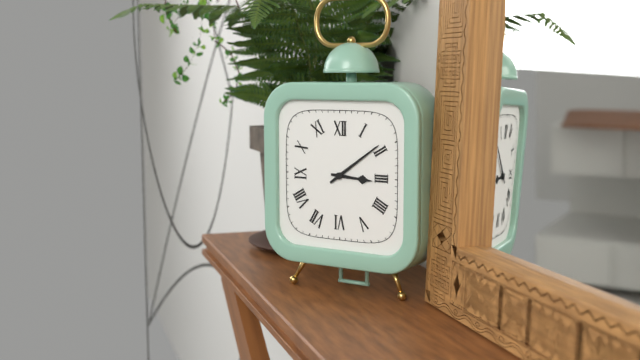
3:09
